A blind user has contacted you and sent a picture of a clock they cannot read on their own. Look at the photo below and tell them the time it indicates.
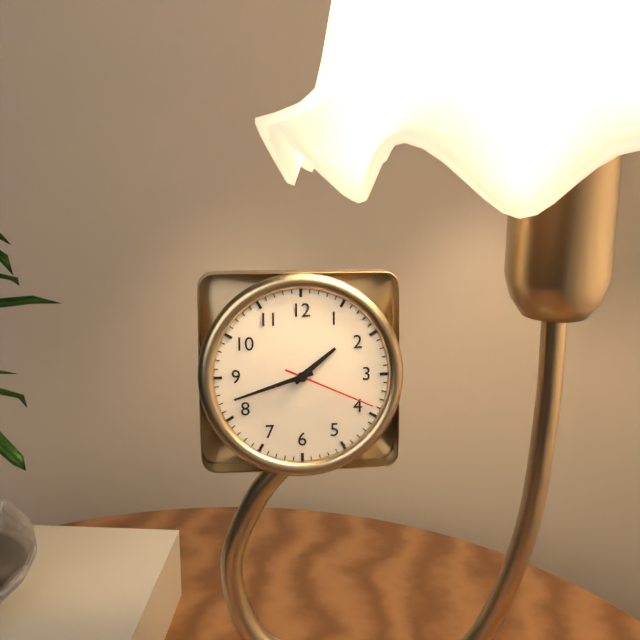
1:42:19
